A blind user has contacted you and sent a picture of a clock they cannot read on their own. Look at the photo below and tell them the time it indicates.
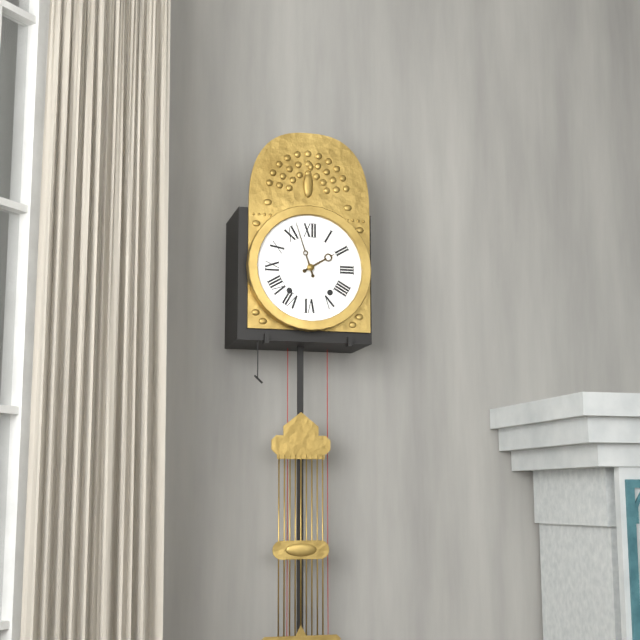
1:57
